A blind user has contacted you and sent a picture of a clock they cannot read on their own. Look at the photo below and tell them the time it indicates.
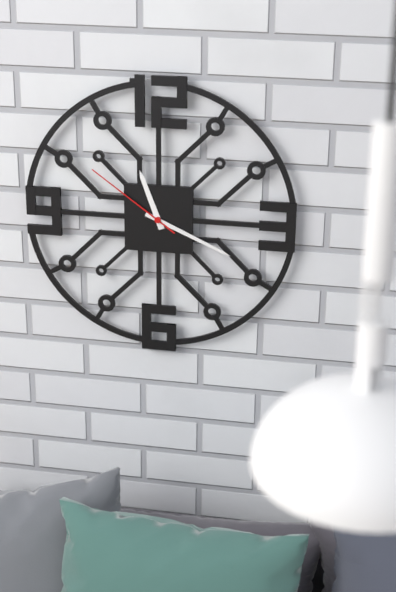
11:19:51
